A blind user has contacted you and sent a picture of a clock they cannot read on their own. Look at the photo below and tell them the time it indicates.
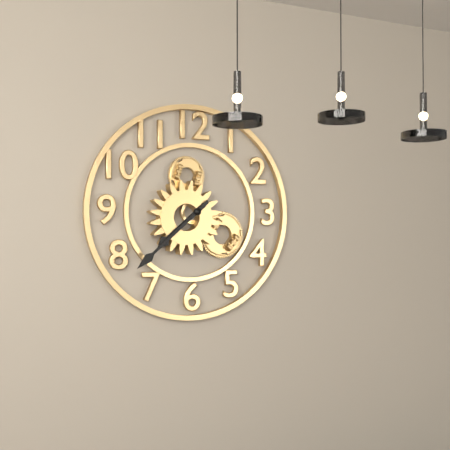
7:38
